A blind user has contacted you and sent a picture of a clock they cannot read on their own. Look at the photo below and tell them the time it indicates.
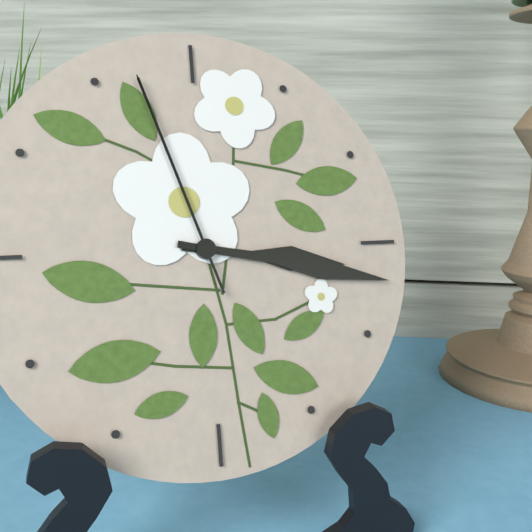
3:17:57
